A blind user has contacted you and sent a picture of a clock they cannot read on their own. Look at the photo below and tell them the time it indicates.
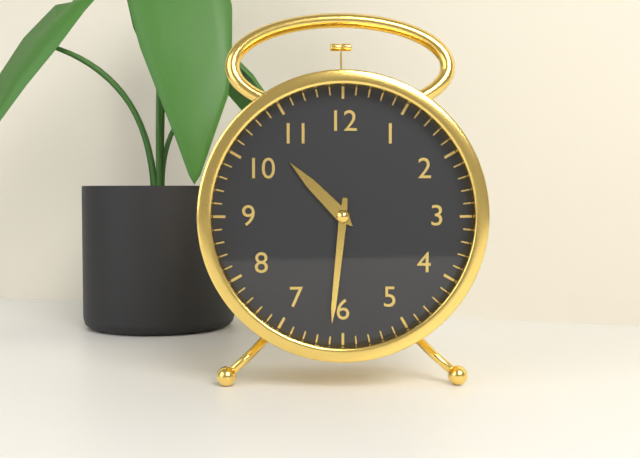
10:31
